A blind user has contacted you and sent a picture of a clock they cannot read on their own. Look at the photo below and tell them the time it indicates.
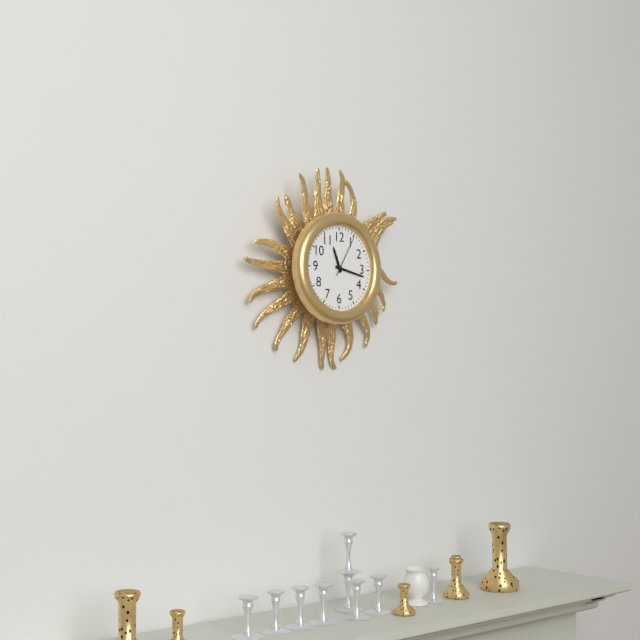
11:17
